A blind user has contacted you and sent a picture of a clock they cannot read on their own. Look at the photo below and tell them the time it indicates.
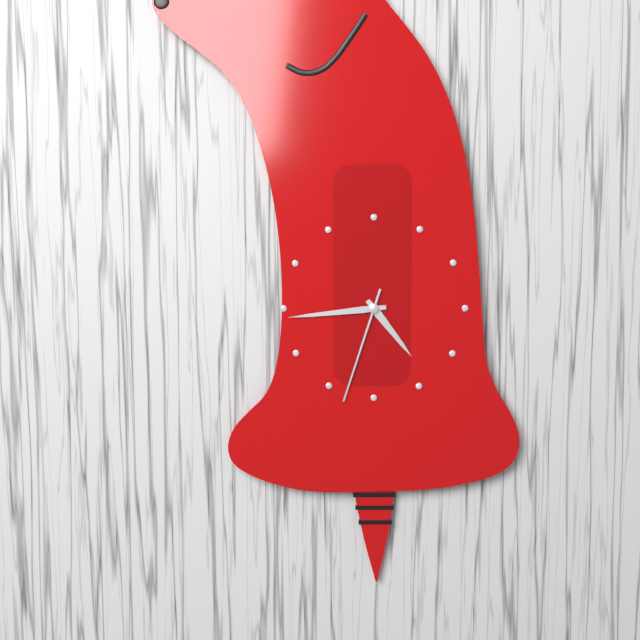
4:44:33
